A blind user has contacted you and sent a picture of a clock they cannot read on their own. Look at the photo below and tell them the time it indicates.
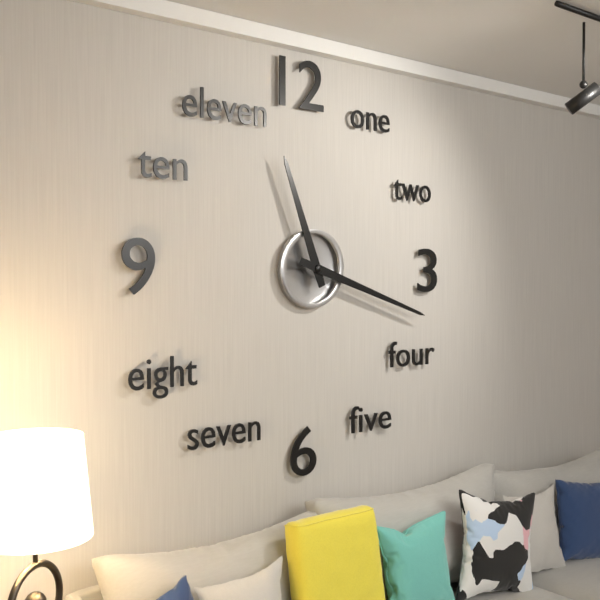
11:18
